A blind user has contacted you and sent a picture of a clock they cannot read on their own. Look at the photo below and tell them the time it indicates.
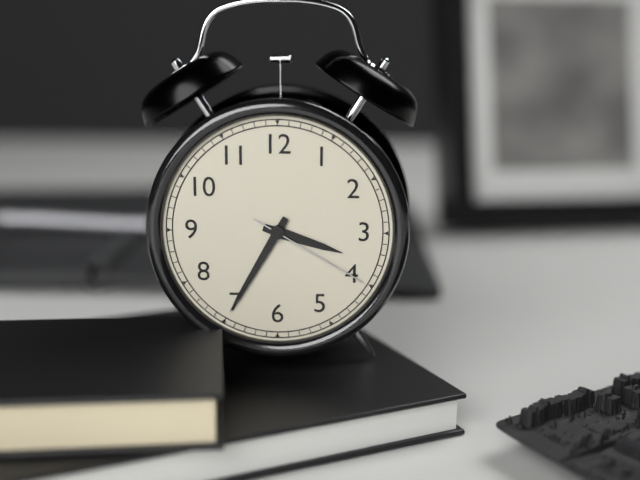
3:35:20
